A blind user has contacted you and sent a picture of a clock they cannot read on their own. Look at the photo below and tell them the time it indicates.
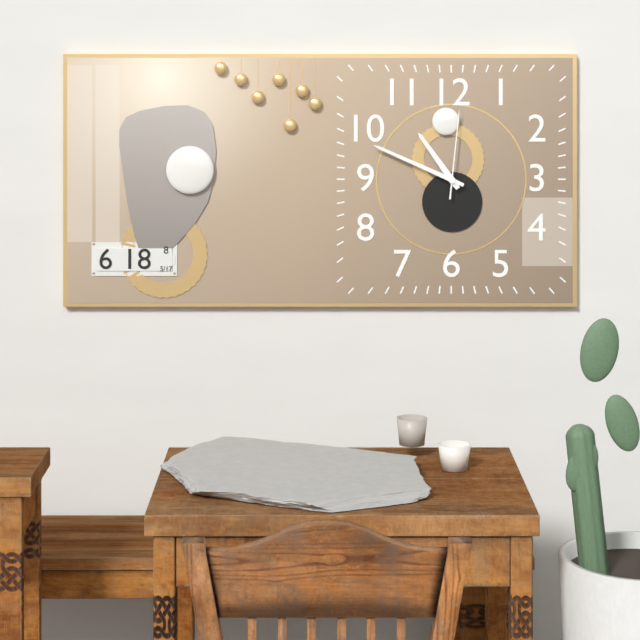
10:49:01
